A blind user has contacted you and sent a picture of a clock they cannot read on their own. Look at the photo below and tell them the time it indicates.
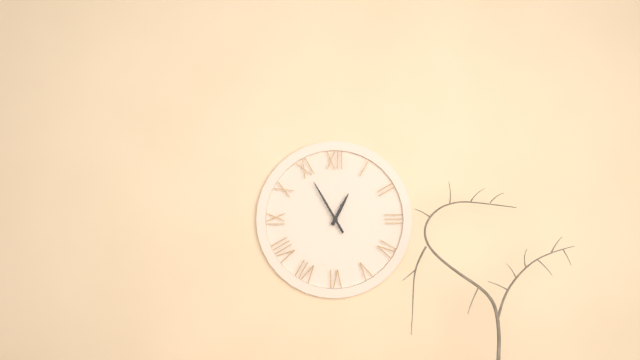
12:55
